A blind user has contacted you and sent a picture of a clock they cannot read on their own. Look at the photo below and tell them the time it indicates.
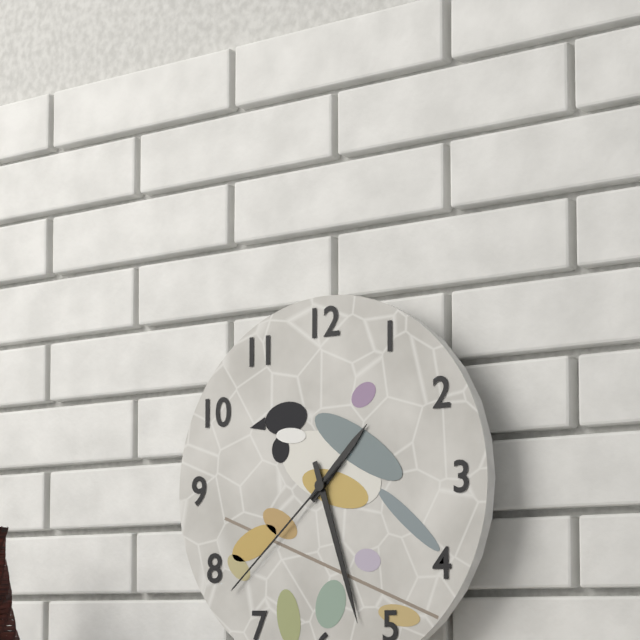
1:27:38
